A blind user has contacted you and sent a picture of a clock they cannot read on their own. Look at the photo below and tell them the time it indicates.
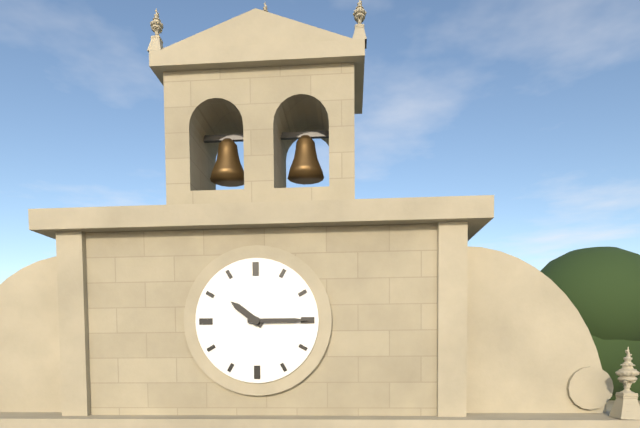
10:15
